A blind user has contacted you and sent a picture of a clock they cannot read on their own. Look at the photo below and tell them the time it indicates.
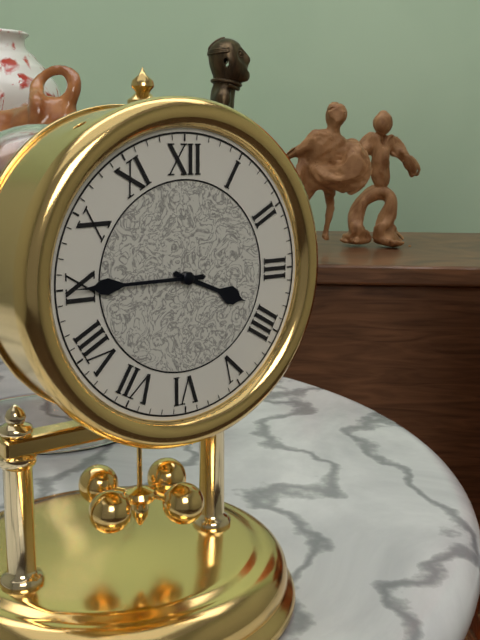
3:45
